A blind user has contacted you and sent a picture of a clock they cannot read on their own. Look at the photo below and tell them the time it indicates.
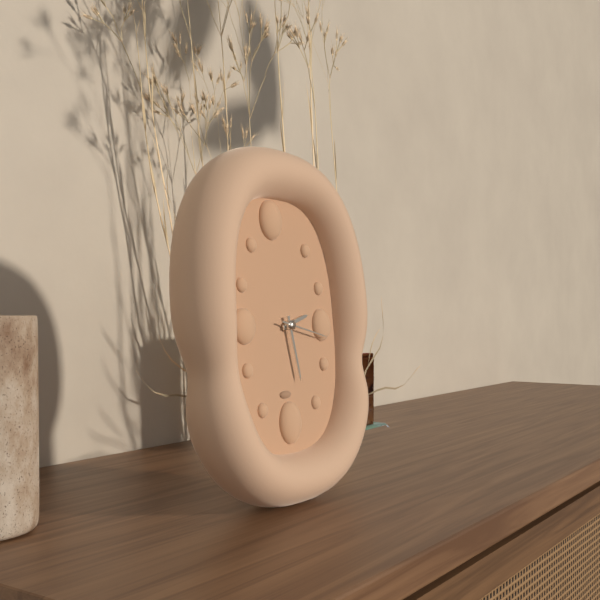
2:28
